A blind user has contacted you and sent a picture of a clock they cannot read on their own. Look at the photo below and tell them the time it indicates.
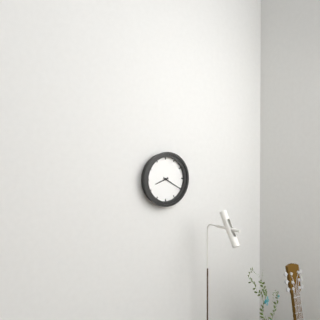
8:20
